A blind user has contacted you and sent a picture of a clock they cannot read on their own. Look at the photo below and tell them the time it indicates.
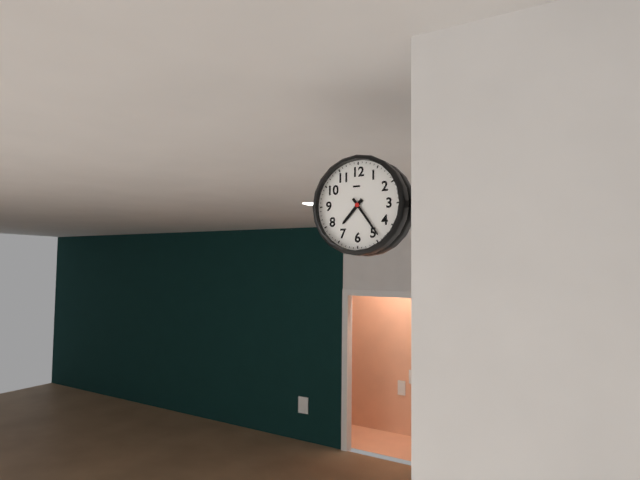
7:24
